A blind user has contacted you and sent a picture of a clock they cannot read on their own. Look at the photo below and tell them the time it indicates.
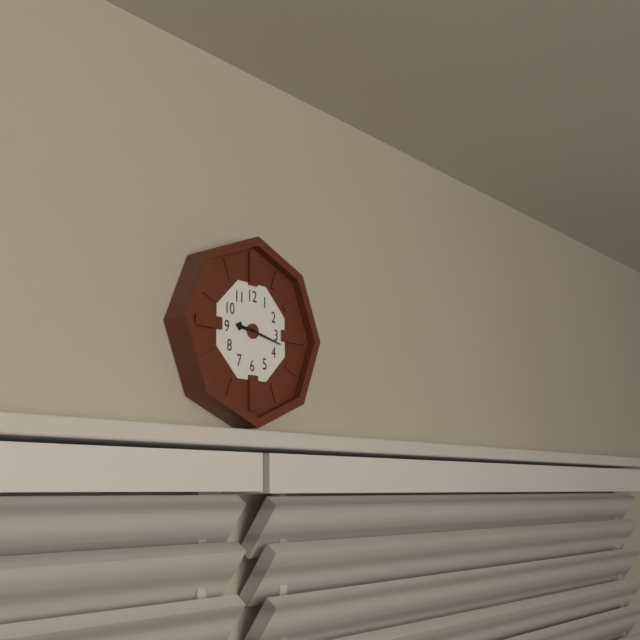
9:17
